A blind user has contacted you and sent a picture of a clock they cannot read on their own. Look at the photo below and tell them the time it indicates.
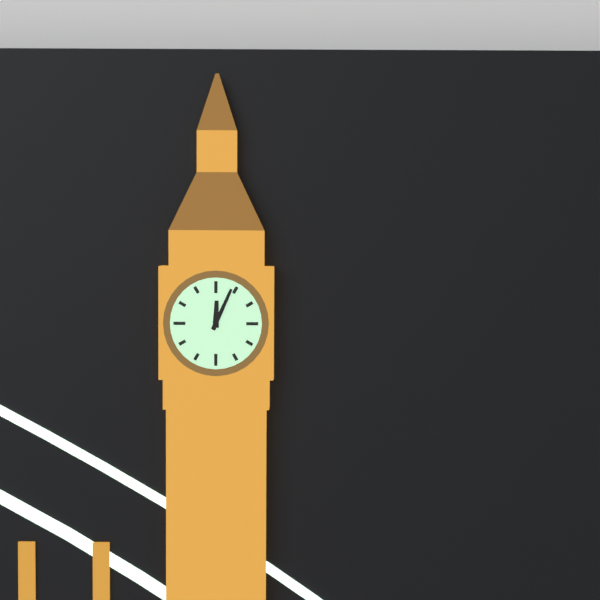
12:04
